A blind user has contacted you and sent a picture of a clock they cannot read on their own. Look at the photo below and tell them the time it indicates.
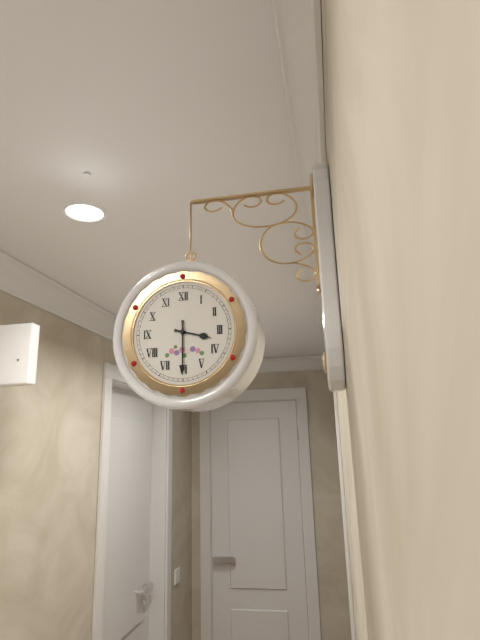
3:30
